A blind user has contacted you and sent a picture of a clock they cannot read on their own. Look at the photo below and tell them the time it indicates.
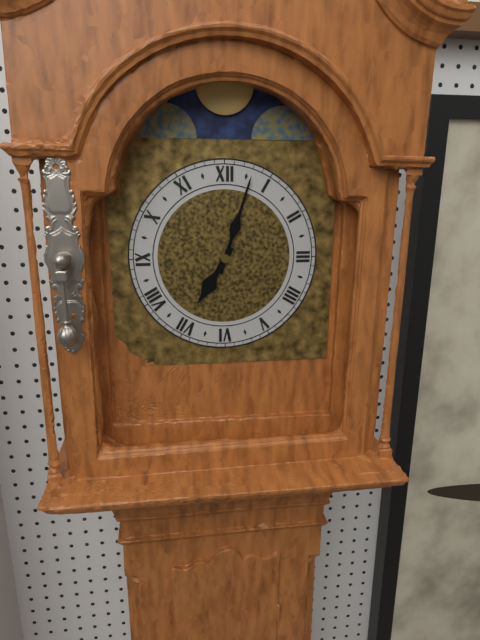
7:03
